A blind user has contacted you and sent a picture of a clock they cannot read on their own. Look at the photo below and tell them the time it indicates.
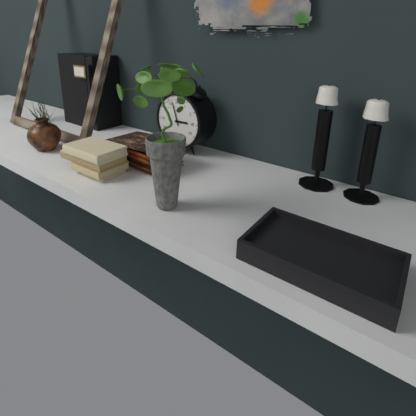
2:57
